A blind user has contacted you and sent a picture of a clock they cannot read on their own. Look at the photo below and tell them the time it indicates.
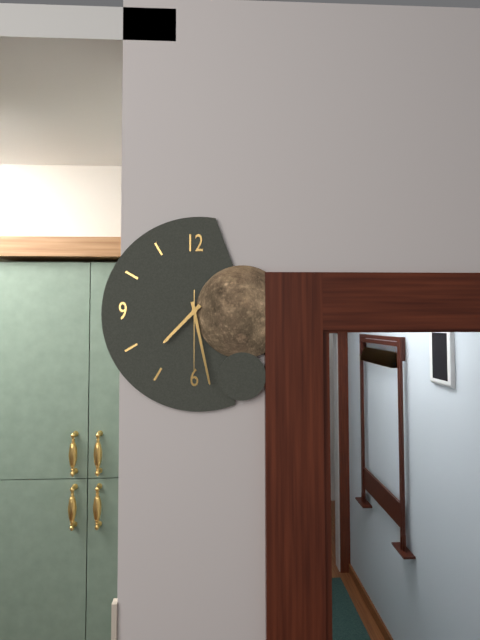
7:28:30
